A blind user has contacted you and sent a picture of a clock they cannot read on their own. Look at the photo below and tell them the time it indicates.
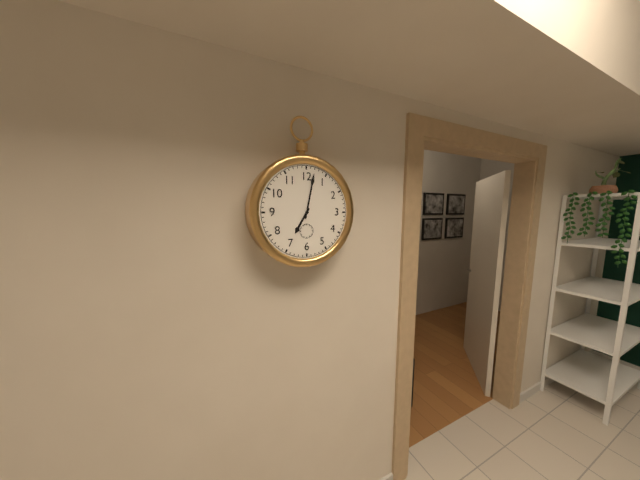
7:02
